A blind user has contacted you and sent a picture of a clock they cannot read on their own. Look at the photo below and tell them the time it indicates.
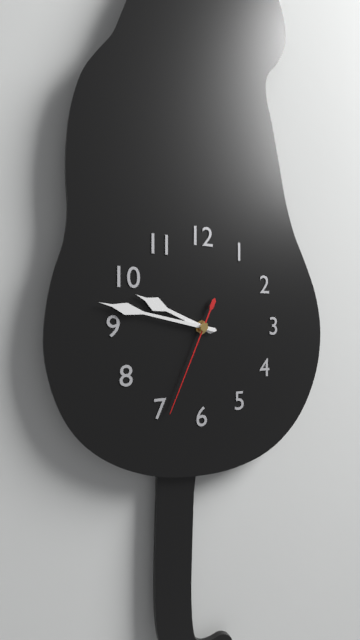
9:47:34
